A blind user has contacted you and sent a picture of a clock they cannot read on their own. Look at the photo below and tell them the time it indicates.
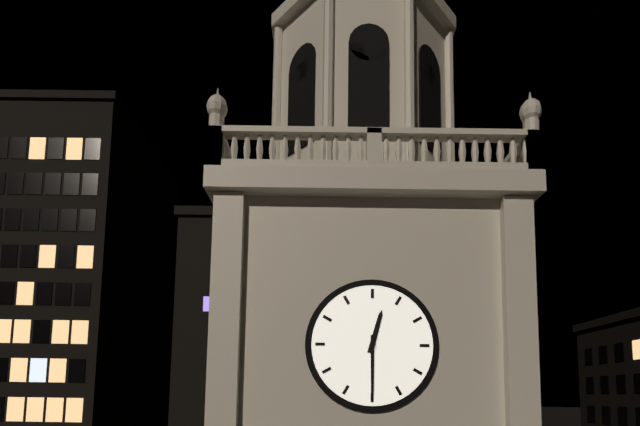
12:30
